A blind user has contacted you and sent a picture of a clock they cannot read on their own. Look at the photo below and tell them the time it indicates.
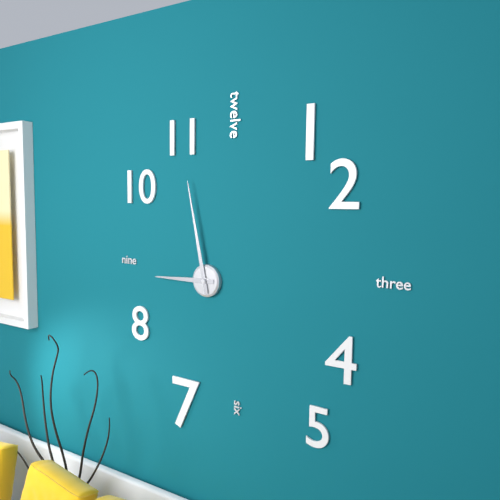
8:58
